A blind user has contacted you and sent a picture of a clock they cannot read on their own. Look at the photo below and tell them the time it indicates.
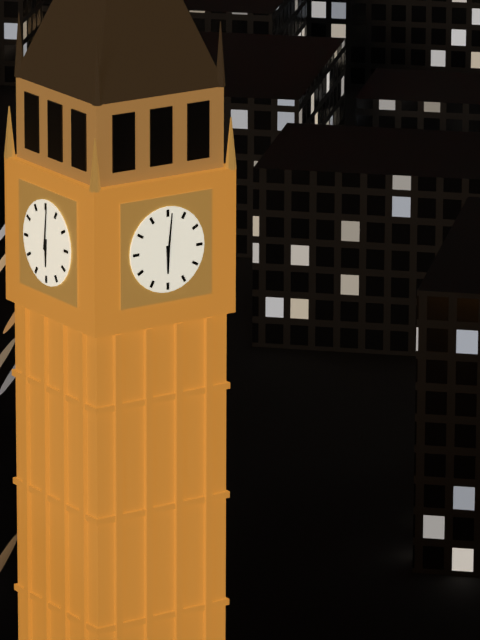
6:01
